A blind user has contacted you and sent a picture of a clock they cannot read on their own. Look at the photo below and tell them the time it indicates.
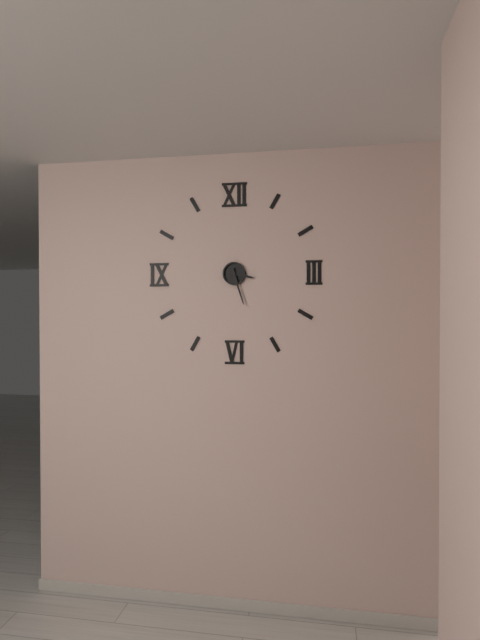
3:27
